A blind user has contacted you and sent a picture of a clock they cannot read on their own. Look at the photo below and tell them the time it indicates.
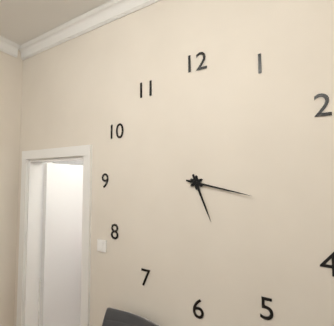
5:17
